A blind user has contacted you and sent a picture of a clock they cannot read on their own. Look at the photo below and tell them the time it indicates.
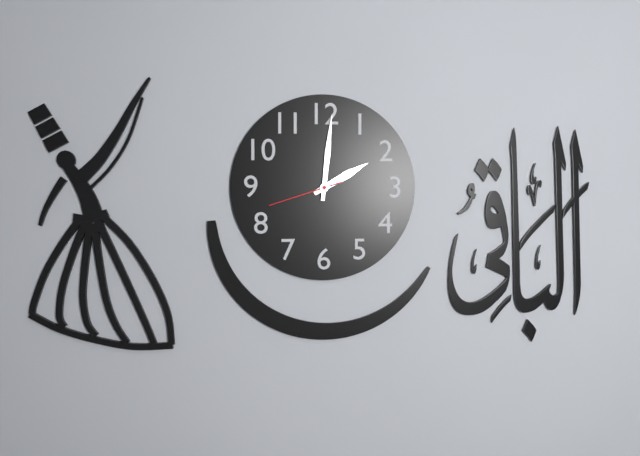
2:01:42
